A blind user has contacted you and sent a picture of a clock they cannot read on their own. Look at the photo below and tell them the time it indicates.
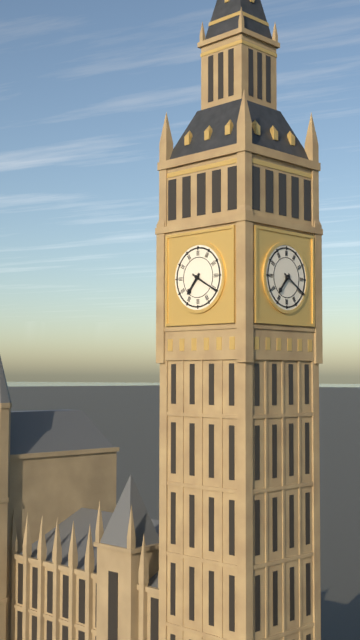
7:20
